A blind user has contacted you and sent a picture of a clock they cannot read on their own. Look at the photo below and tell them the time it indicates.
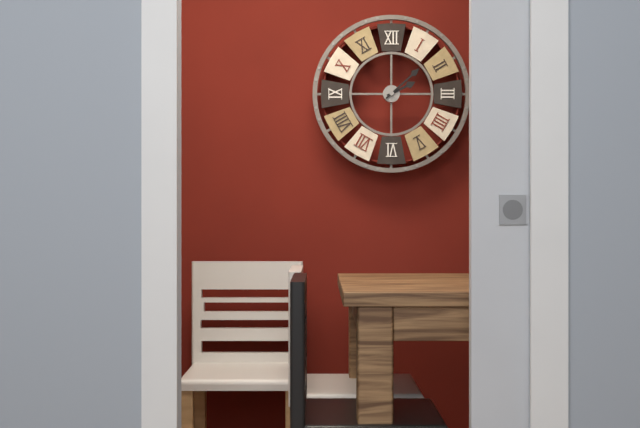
2:08
